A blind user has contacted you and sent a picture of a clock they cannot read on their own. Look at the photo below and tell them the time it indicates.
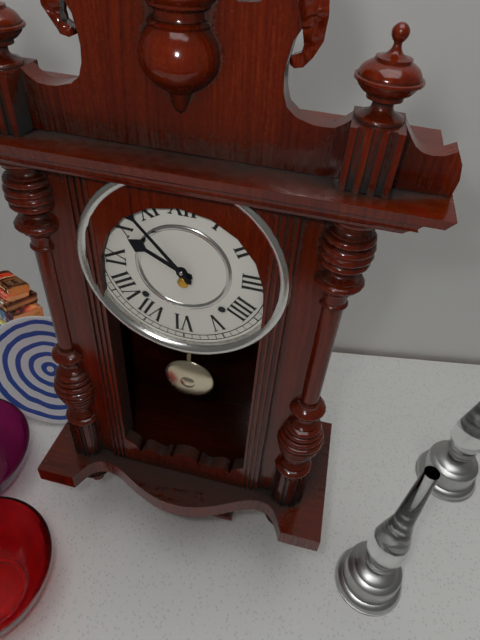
9:53
